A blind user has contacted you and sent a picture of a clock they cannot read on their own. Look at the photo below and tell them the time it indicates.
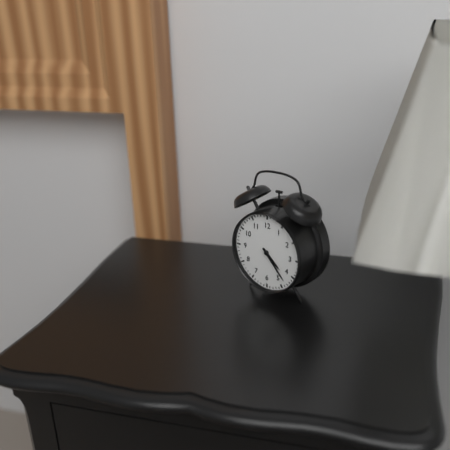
4:23
